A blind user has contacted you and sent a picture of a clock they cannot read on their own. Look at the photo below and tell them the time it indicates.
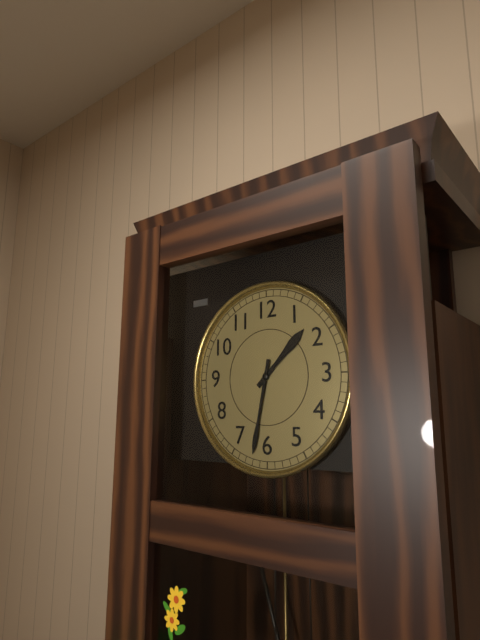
1:32
